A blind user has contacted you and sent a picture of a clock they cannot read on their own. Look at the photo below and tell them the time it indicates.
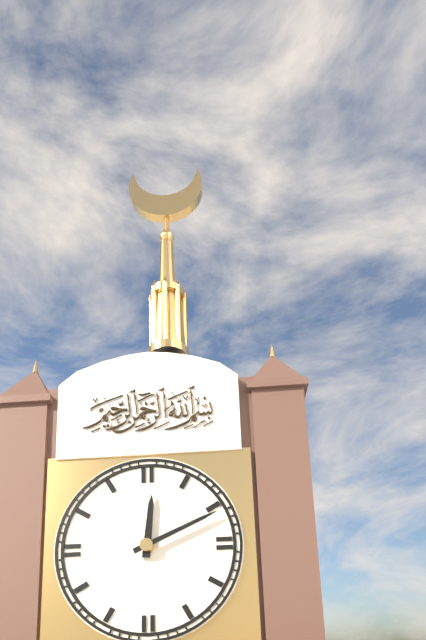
12:11
